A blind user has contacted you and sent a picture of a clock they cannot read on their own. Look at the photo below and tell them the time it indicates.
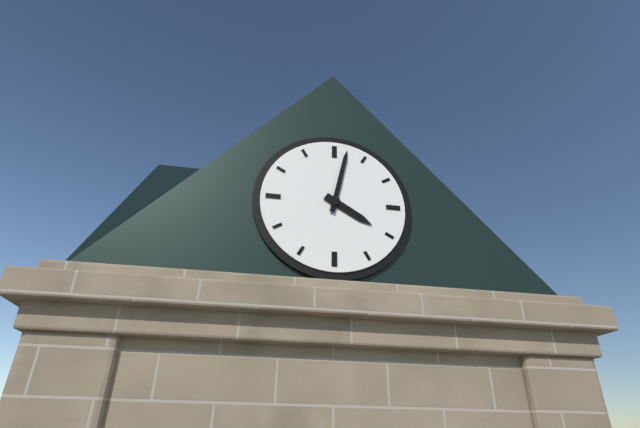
4:02
